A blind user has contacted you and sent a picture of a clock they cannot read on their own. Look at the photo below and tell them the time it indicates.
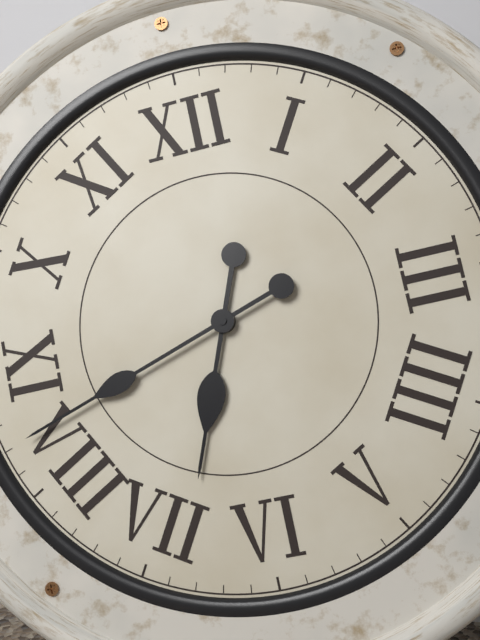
6:42
